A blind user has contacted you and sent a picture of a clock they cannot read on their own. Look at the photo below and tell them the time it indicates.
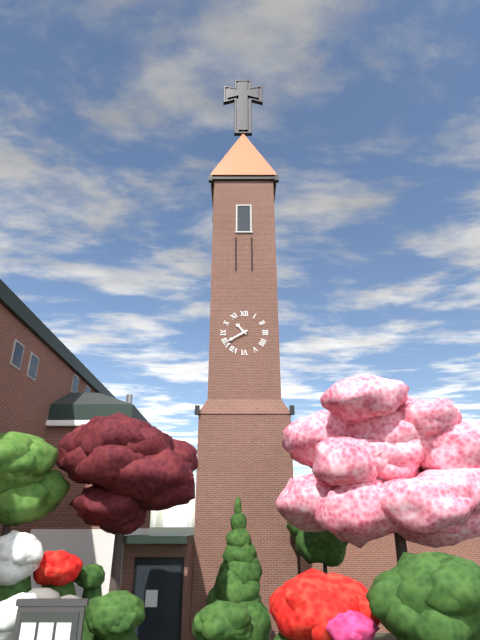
10:40
